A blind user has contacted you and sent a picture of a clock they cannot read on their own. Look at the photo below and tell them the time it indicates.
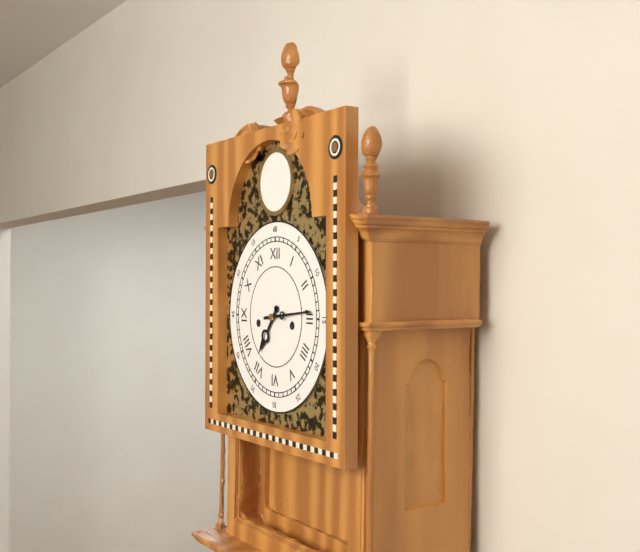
7:14
